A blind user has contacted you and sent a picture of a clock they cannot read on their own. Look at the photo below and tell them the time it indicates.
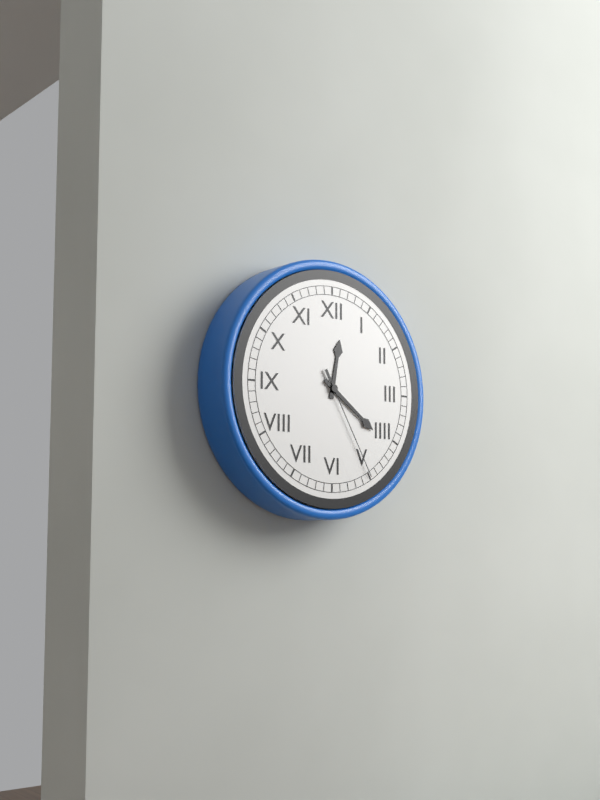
12:21:25
